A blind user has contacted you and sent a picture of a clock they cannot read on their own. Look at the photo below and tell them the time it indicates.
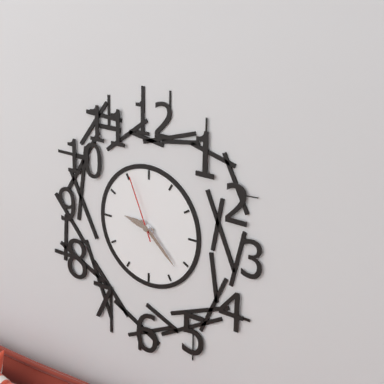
9:22:56
